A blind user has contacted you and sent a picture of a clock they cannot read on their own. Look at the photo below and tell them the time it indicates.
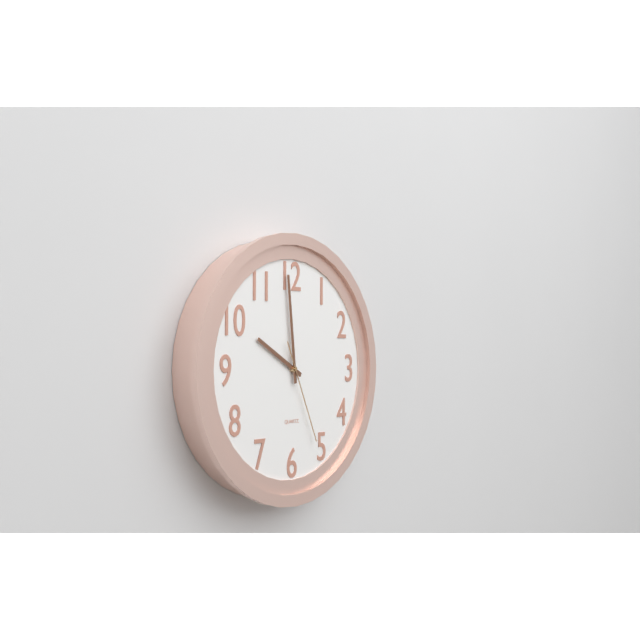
9:59:26
